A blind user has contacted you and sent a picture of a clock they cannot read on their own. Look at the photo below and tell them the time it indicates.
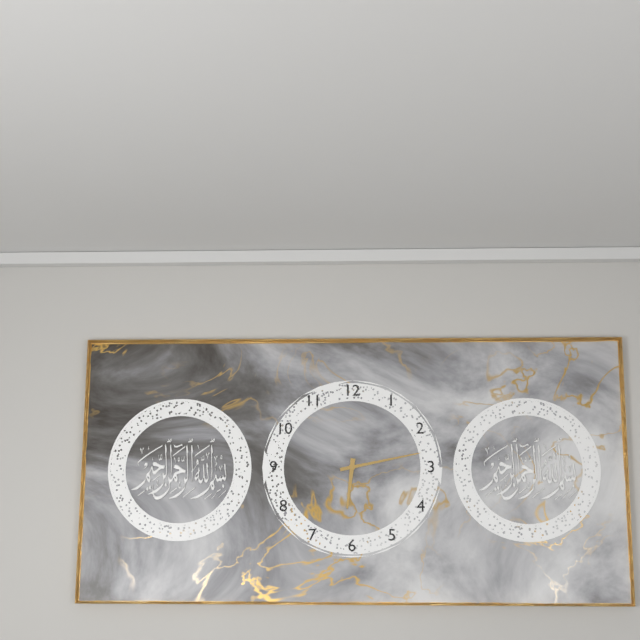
6:13
